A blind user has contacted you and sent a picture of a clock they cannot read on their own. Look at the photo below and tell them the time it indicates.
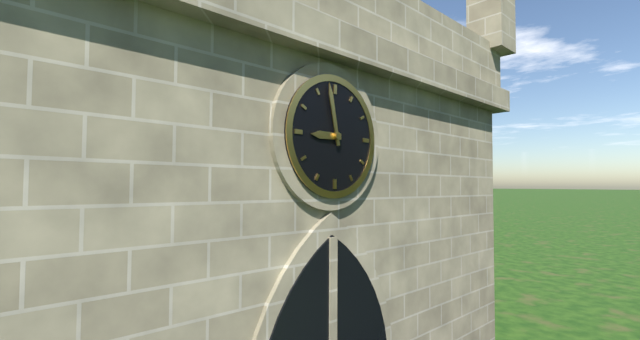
8:58
